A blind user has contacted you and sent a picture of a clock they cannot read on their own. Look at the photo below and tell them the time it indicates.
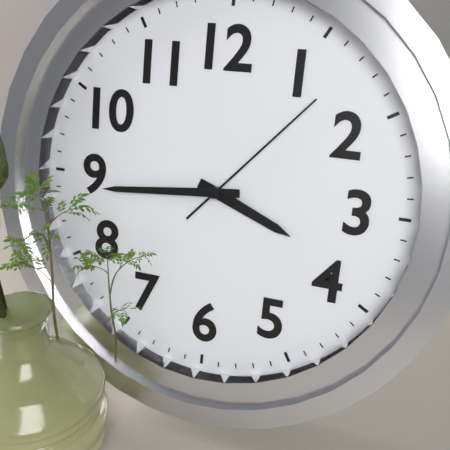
3:44:07
